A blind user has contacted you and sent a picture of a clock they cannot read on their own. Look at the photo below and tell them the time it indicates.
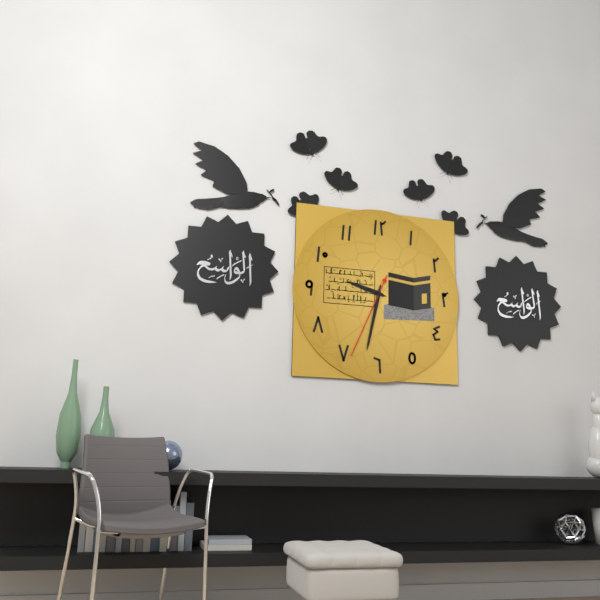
9:32:34
